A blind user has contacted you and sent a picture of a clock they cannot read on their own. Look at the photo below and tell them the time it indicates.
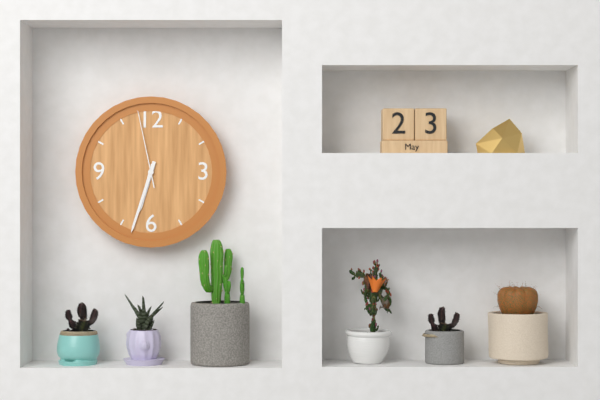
6:33:58
